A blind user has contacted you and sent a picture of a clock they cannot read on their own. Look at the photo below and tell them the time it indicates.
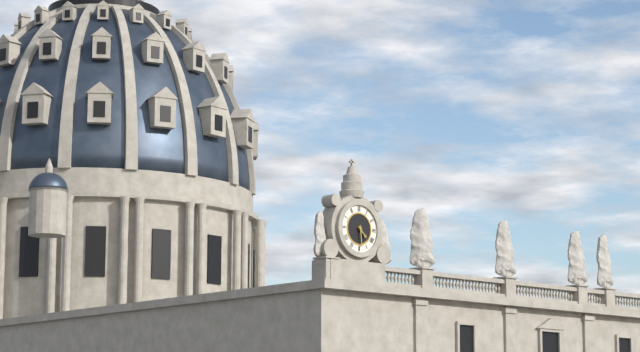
4:29
